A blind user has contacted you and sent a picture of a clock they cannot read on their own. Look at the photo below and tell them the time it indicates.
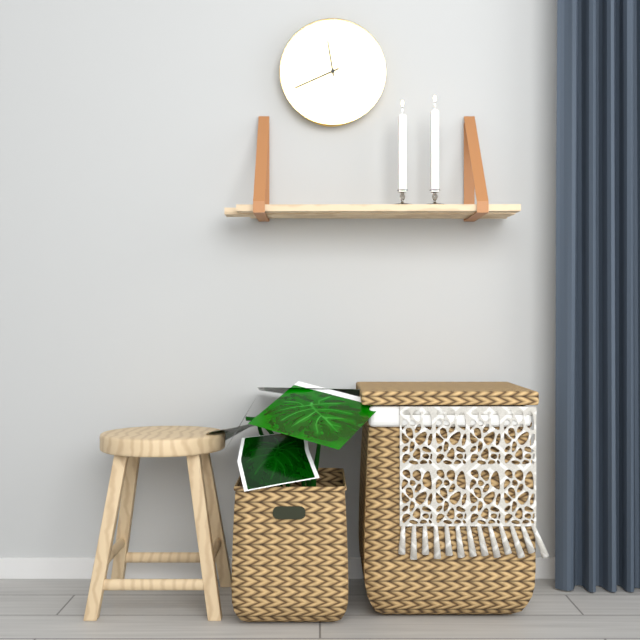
11:41
